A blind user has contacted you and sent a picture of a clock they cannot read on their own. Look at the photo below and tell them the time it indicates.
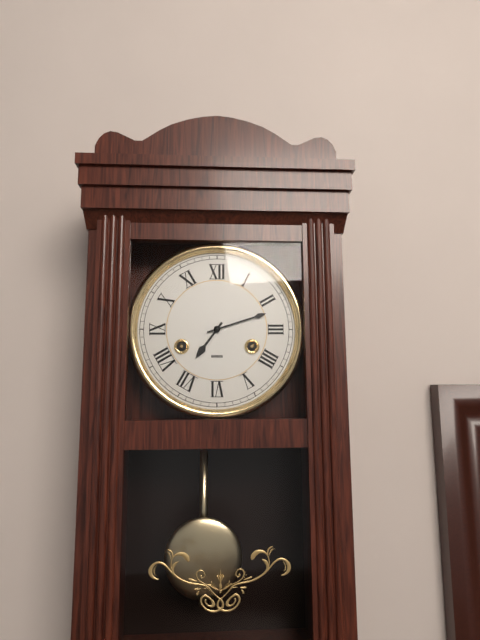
7:12
